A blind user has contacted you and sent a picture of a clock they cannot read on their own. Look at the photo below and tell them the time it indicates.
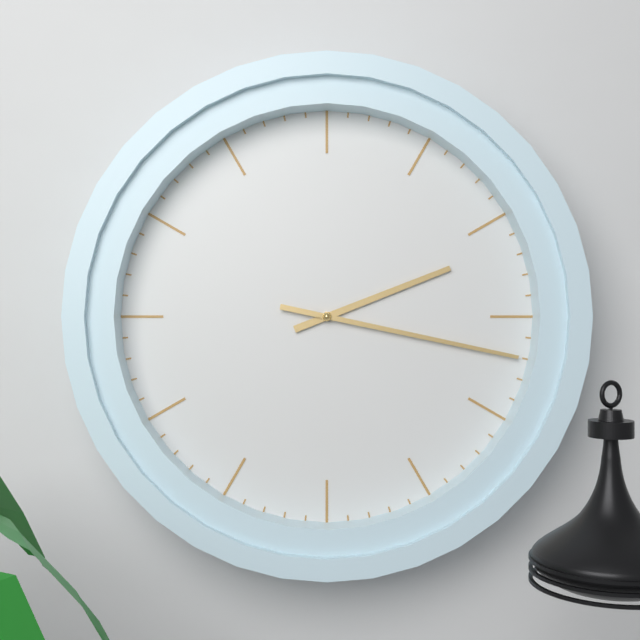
2:17
